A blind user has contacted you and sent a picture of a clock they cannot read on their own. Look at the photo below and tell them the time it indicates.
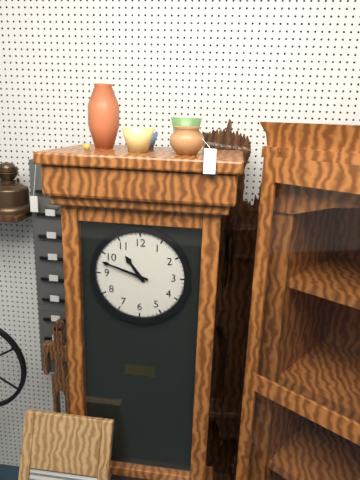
10:48
